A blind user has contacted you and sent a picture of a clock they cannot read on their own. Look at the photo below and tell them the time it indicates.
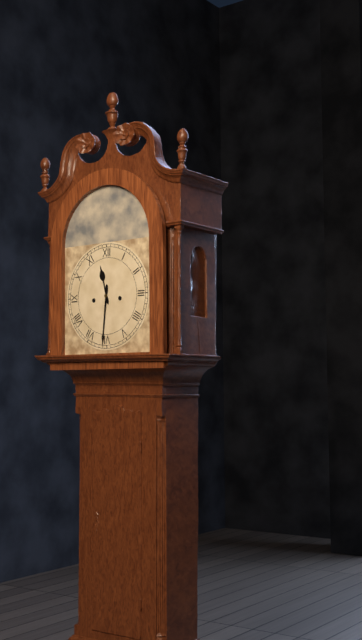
11:31
